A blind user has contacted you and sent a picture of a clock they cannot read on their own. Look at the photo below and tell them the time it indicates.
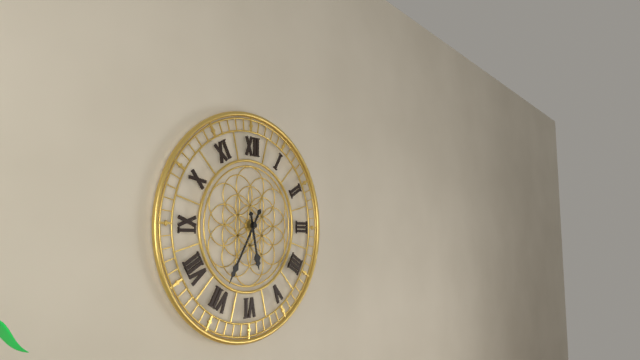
5:35
